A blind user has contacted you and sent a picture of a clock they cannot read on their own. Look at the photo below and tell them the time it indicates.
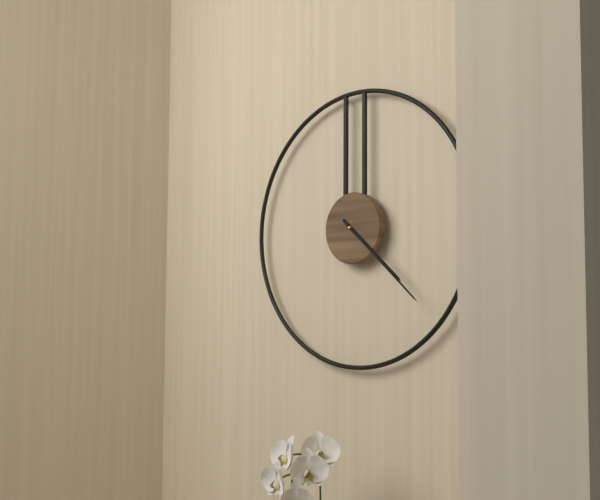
4:22
